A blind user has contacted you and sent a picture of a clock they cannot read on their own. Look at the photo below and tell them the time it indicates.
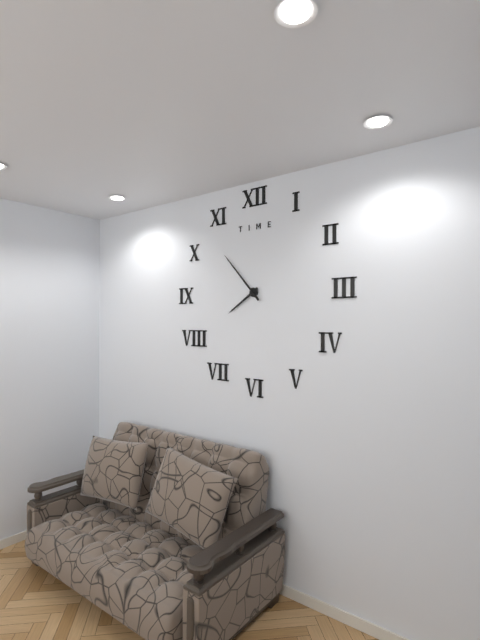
7:53
